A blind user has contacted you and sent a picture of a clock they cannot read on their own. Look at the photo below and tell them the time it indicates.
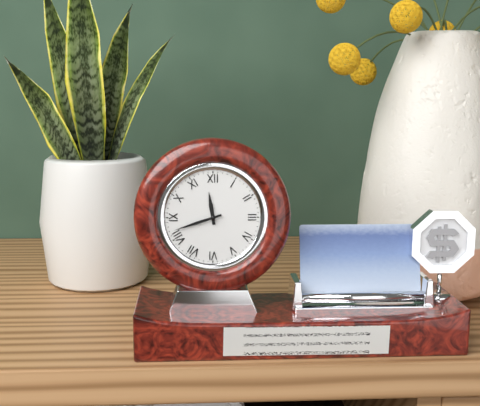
11:42
